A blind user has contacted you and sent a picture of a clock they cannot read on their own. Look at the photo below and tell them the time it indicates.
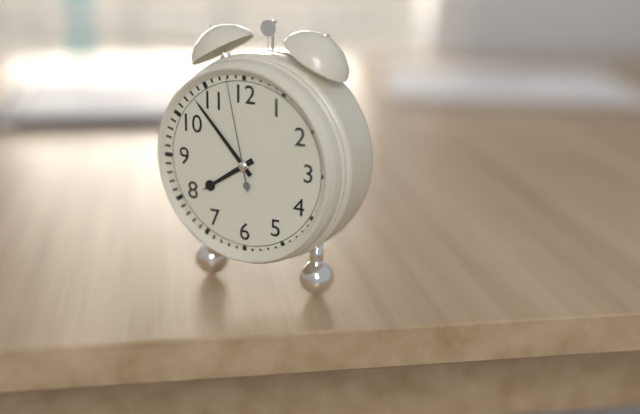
7:53:58
